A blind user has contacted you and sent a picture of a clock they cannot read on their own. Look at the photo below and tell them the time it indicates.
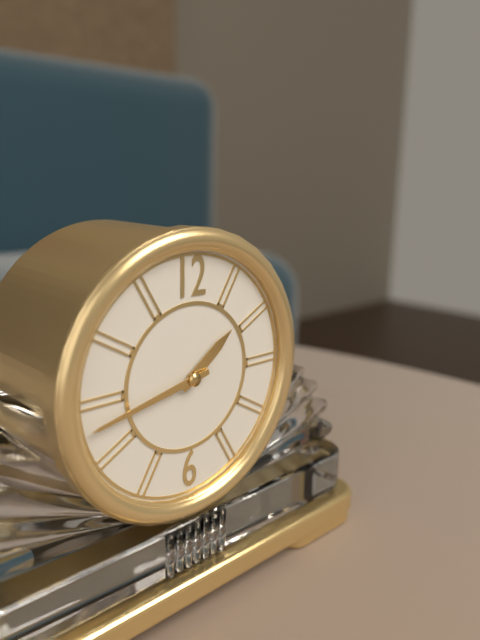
1:43
